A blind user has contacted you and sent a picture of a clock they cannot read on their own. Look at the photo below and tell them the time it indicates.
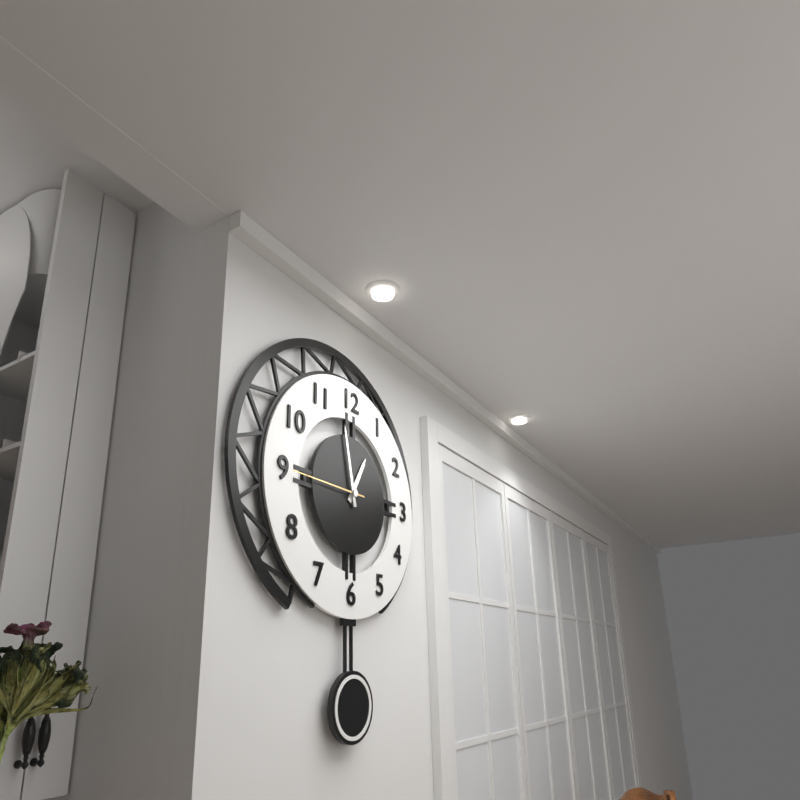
12:58:45
